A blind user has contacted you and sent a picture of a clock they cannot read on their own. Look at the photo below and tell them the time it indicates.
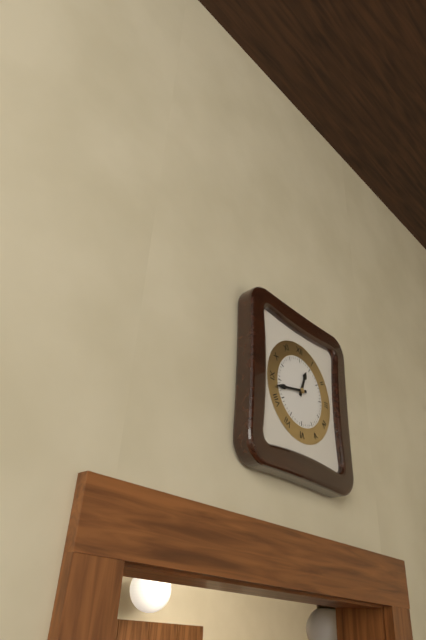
12:43
